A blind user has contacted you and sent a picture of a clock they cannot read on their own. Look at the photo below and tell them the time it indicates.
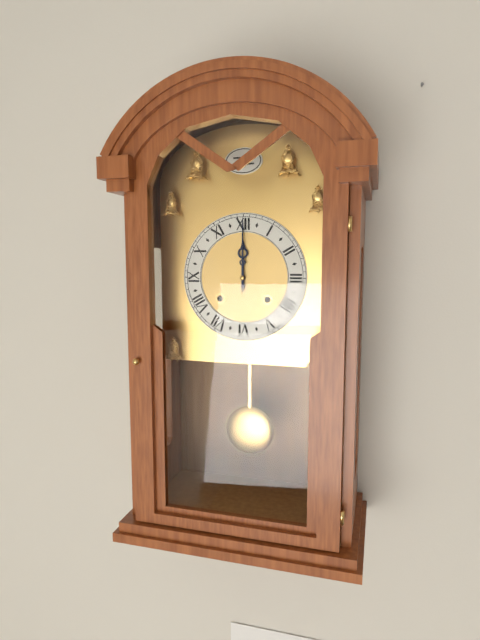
12:00
